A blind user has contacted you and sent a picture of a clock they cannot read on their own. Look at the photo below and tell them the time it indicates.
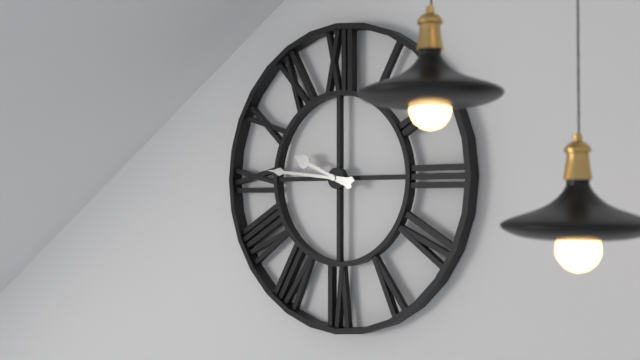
9:46
